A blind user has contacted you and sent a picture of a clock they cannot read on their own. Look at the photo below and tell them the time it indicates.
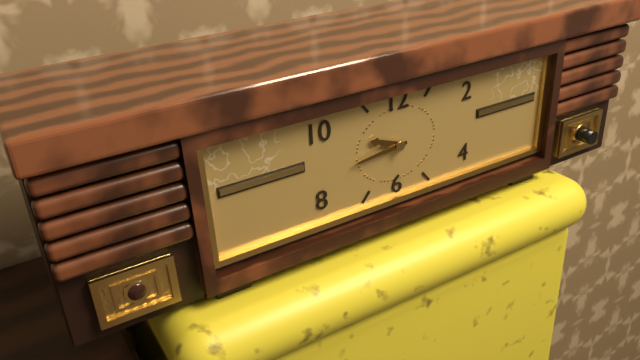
9:44
